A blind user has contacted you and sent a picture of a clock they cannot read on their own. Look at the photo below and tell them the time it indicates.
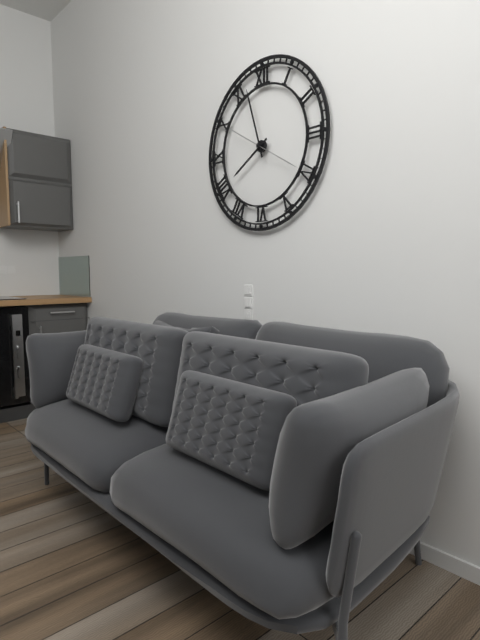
7:57
